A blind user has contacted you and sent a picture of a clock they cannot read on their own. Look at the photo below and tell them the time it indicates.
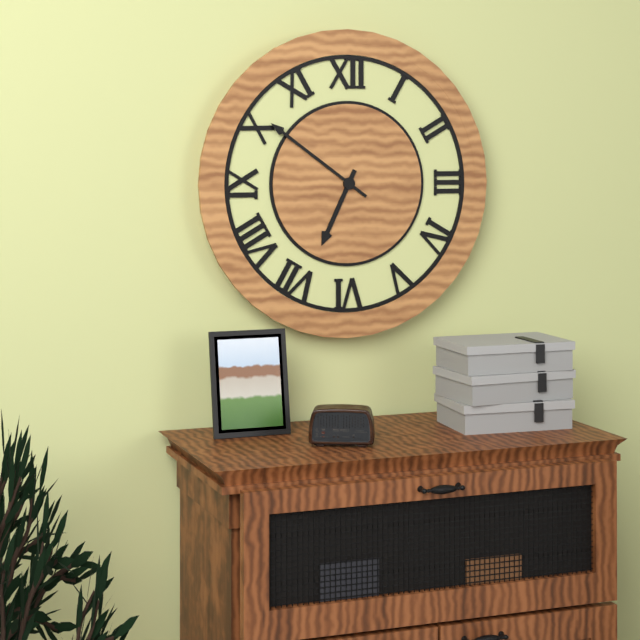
6:51
